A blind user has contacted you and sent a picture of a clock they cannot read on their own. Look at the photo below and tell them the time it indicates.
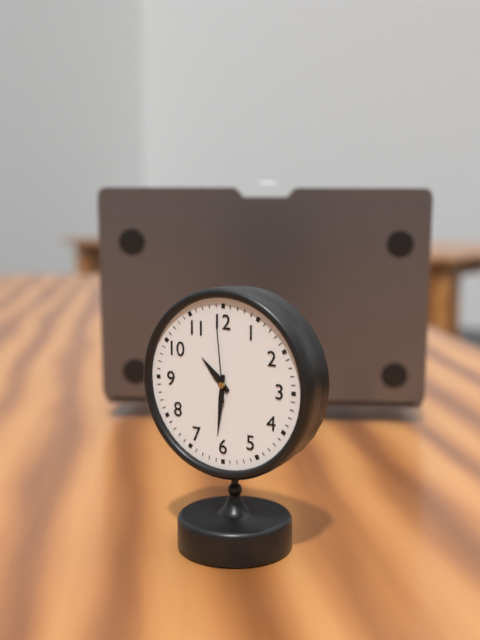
10:31:59
